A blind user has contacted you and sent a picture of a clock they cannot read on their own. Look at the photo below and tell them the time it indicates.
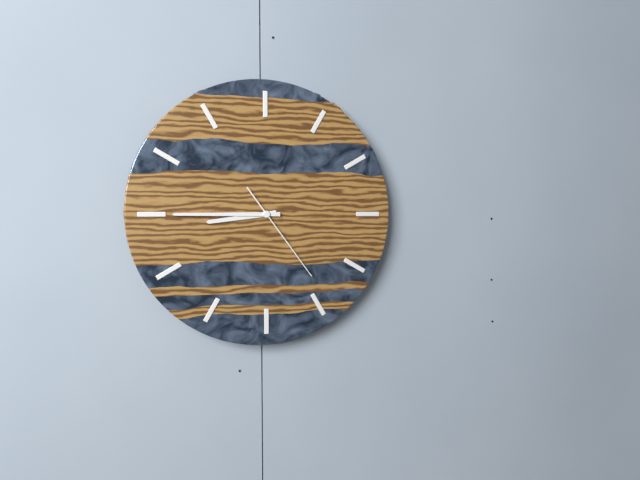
8:45:24
